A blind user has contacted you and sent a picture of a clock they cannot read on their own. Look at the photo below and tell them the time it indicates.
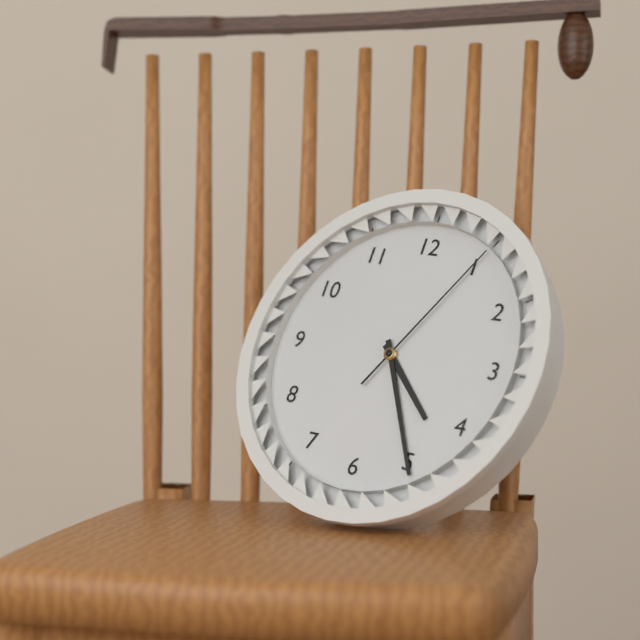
4:25:05
